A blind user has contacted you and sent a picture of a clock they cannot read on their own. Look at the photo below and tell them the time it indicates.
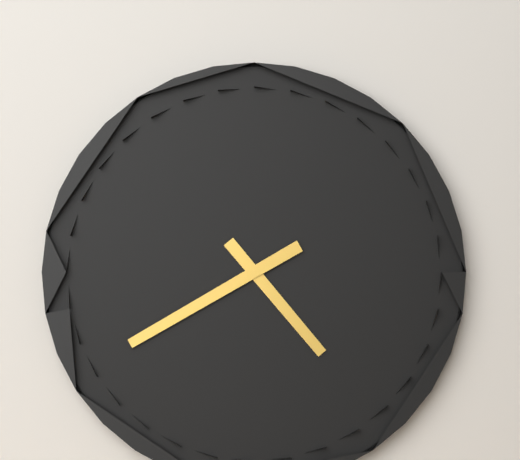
4:40
